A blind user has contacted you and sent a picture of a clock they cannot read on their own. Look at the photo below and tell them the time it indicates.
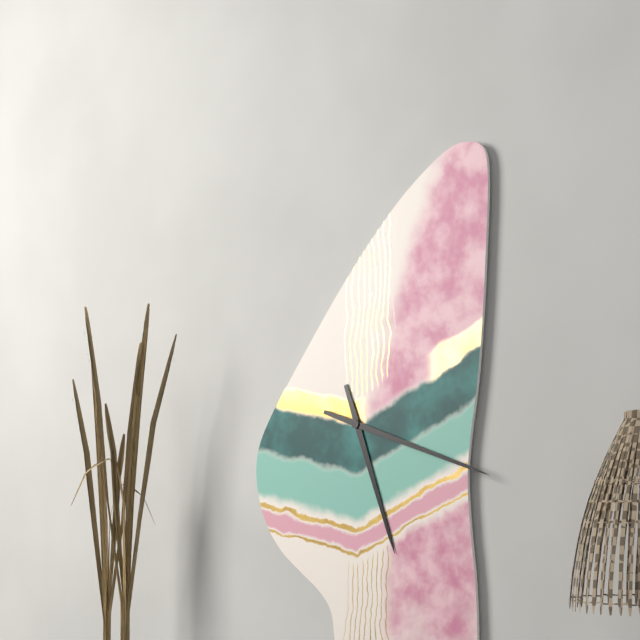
5:18
